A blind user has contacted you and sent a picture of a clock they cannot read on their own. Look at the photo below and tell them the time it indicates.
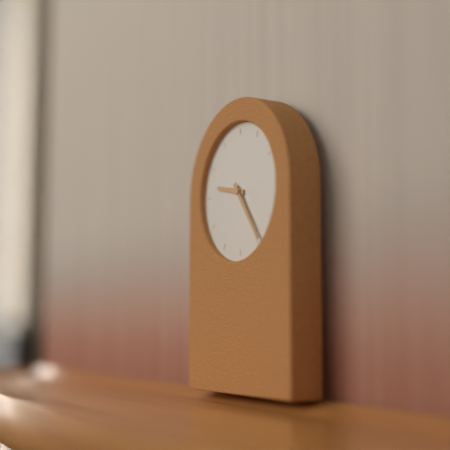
9:24
